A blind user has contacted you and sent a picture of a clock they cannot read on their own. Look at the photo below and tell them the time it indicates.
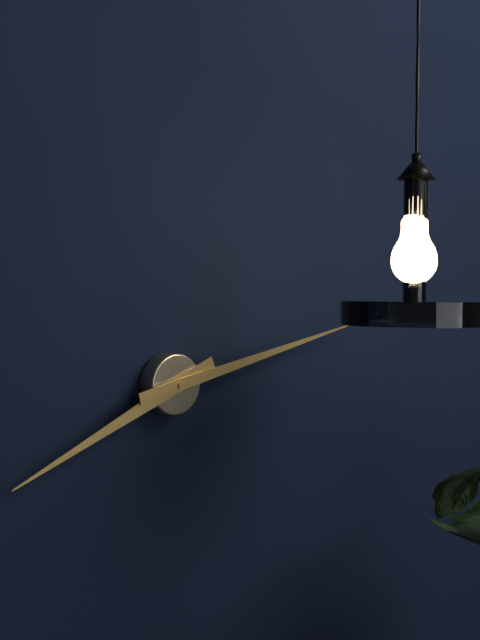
8:13
